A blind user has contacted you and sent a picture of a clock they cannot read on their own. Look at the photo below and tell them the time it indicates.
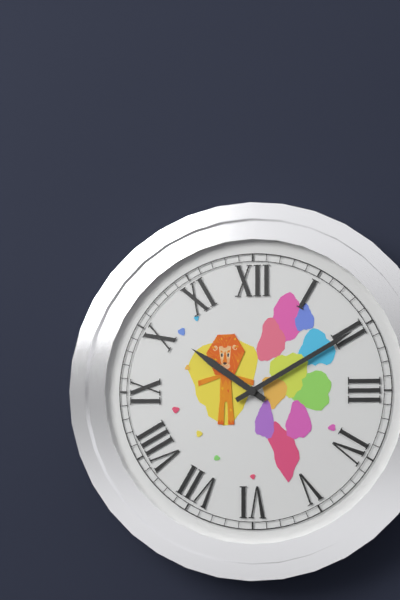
10:10
